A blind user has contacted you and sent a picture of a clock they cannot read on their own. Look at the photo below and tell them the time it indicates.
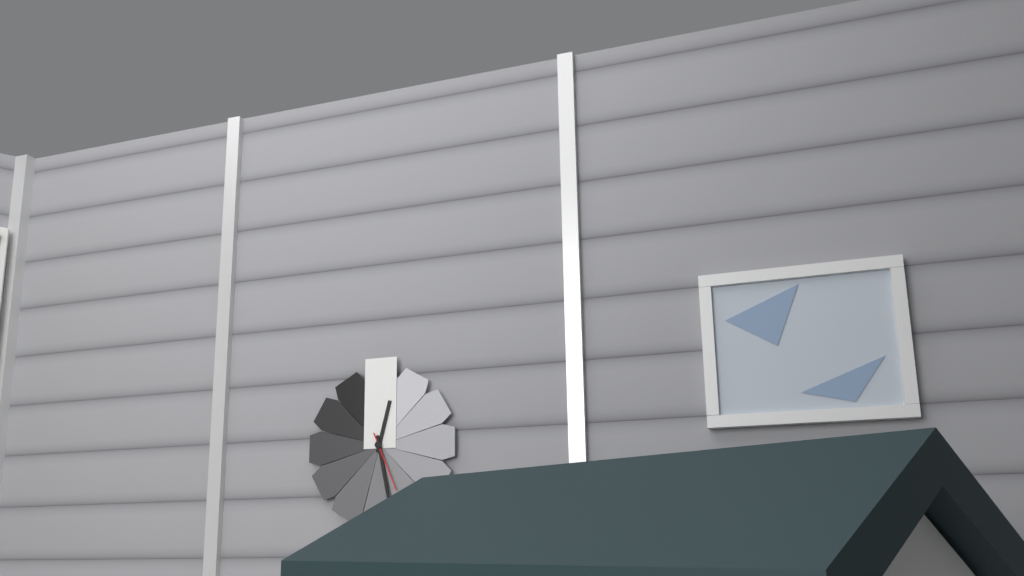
12:28:26
